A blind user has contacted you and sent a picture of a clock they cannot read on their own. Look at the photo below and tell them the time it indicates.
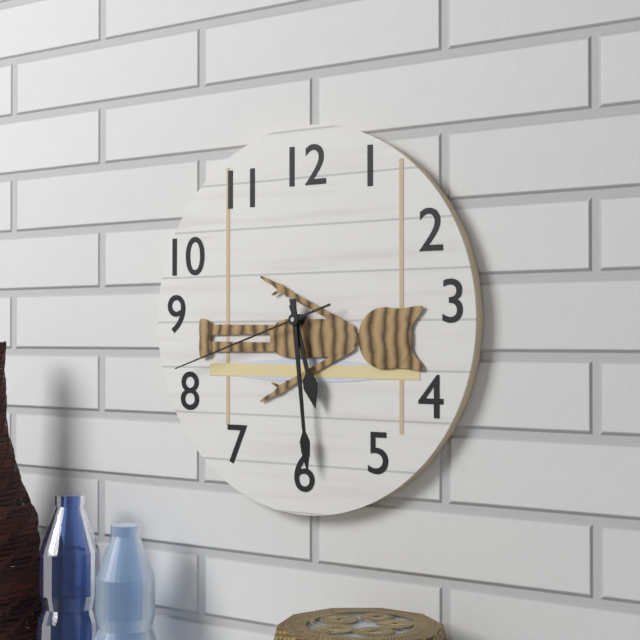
5:29:42
